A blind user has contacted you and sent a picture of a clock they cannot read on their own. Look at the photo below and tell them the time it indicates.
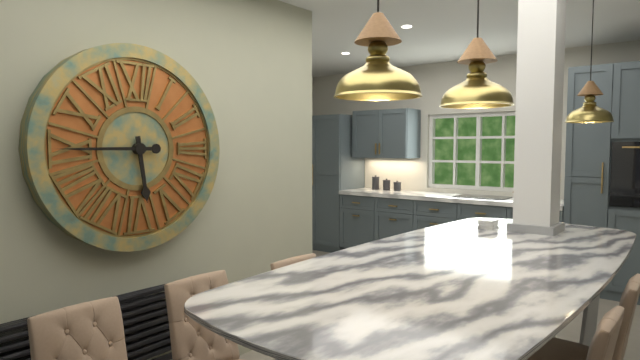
5:45
